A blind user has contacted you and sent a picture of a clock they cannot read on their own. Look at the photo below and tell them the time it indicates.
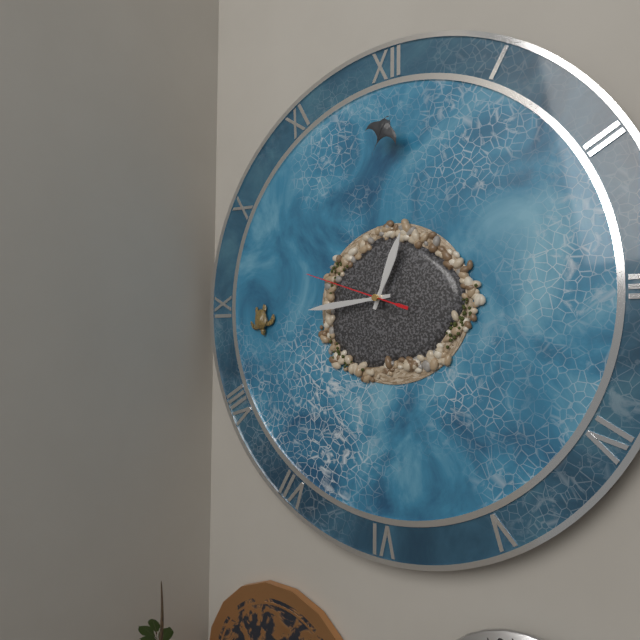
12:44:48
